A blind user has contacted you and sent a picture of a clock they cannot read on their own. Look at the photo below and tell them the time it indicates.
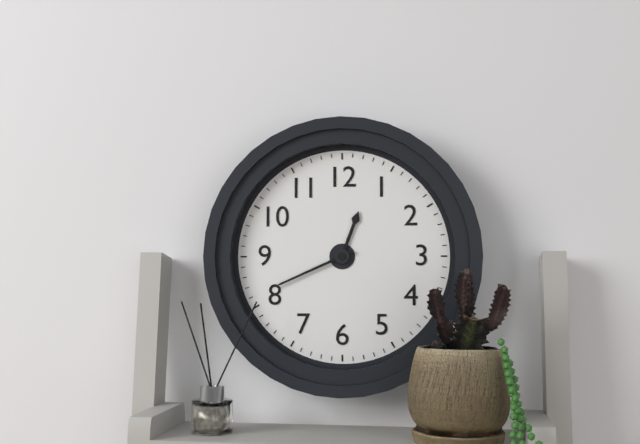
12:41
